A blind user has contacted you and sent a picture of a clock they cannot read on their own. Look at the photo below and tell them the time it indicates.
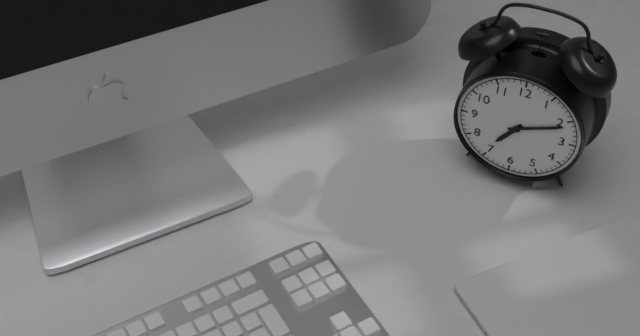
7:11
